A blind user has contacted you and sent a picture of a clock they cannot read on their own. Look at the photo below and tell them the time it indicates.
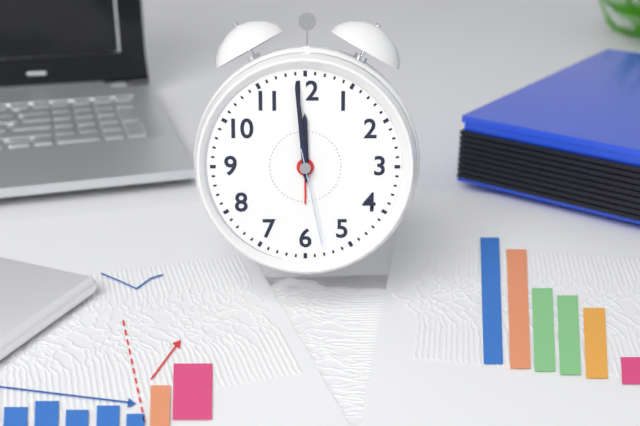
11:59:28
